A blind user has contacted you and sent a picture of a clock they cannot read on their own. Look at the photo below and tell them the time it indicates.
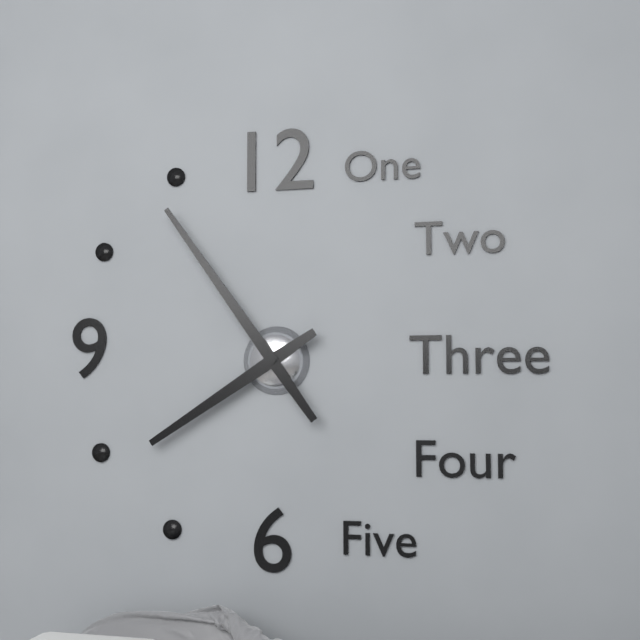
7:54
